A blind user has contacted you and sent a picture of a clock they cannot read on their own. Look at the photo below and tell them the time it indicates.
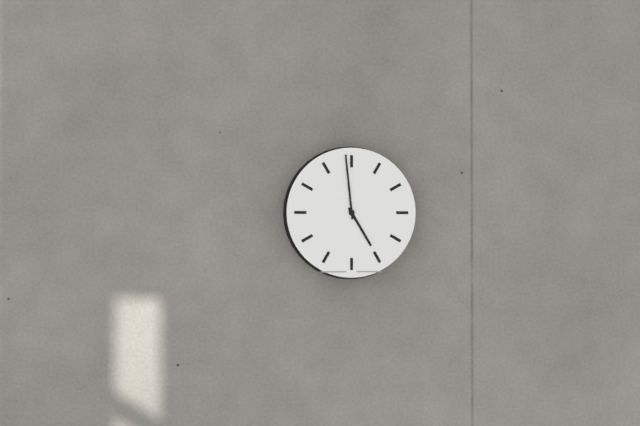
4:59
